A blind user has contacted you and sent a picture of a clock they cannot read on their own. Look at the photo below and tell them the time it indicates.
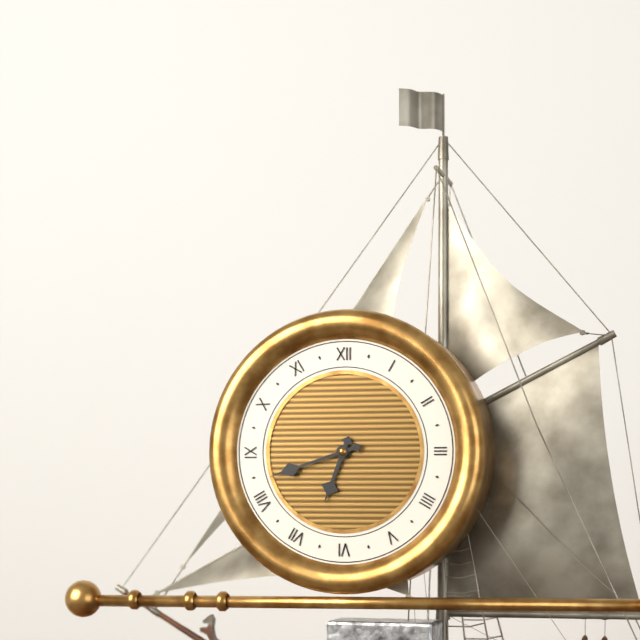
6:42
